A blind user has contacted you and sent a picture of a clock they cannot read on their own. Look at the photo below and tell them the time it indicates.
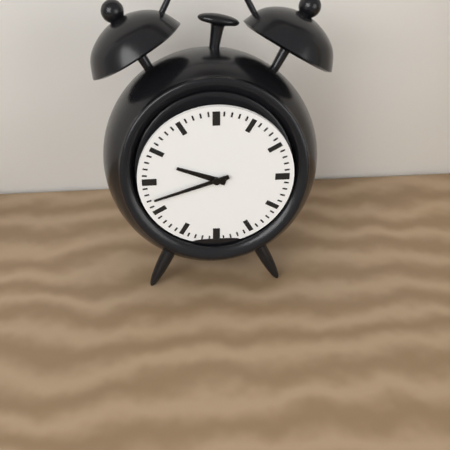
9:42
